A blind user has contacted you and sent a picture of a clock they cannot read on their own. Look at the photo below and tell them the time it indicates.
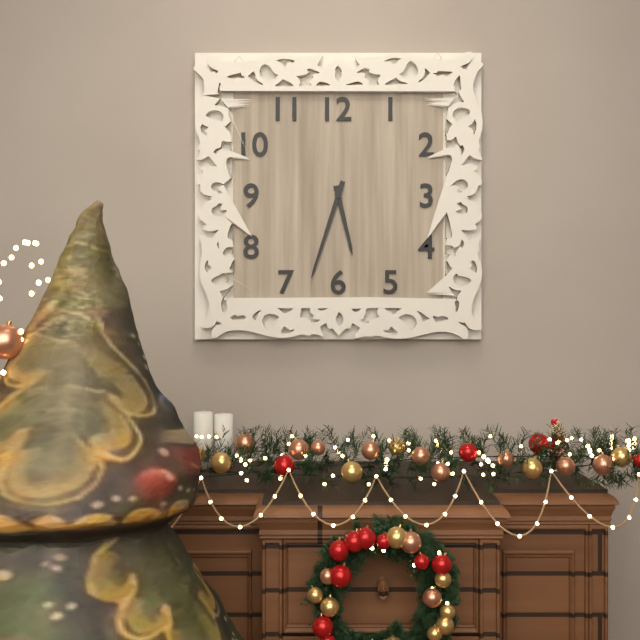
5:33
